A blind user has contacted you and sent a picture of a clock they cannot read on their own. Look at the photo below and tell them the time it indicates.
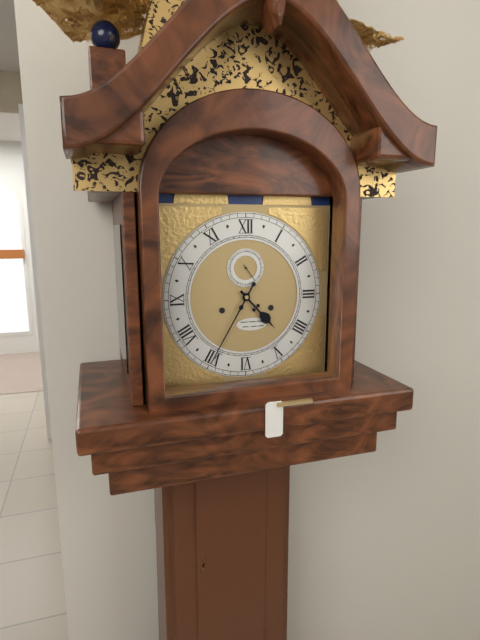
4:35
